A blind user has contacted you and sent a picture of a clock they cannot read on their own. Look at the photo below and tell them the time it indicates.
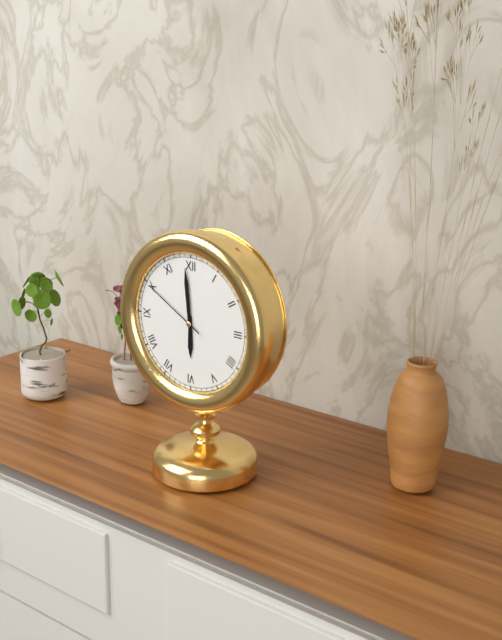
5:59:50
